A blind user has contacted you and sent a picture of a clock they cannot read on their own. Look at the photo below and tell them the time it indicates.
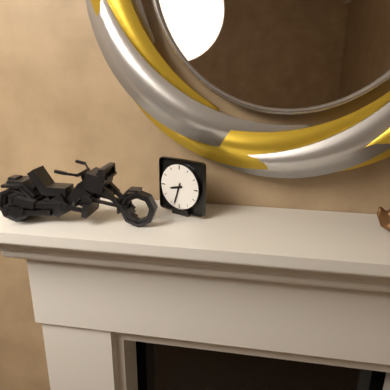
8:33
